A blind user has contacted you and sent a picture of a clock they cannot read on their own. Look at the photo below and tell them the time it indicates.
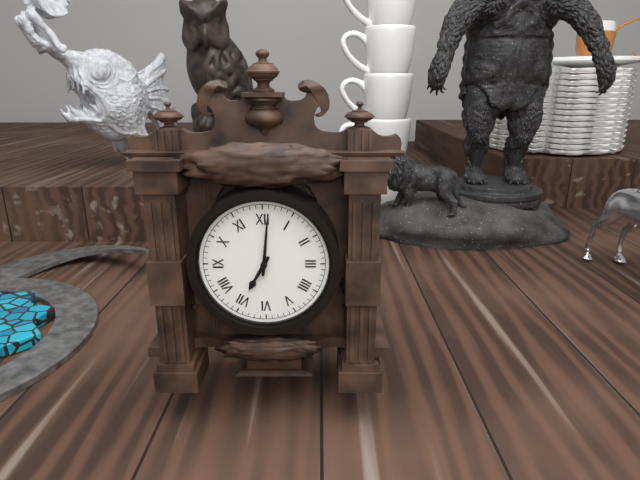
7:01
